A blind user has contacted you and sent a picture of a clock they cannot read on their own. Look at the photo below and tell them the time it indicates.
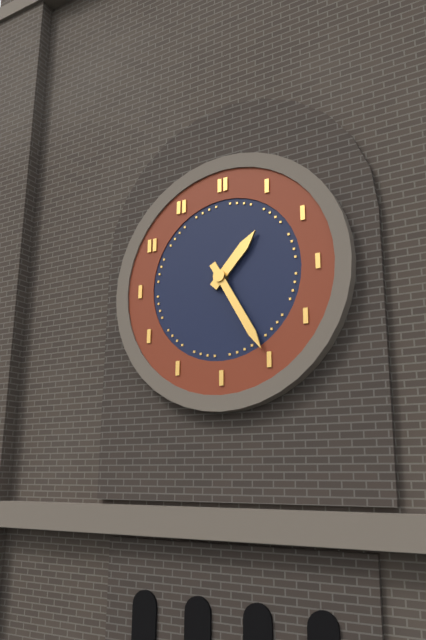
1:25
